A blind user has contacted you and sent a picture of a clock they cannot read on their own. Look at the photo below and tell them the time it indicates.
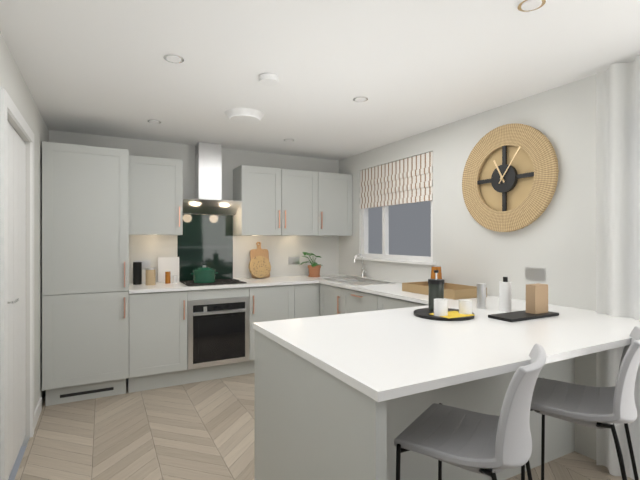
11:06
